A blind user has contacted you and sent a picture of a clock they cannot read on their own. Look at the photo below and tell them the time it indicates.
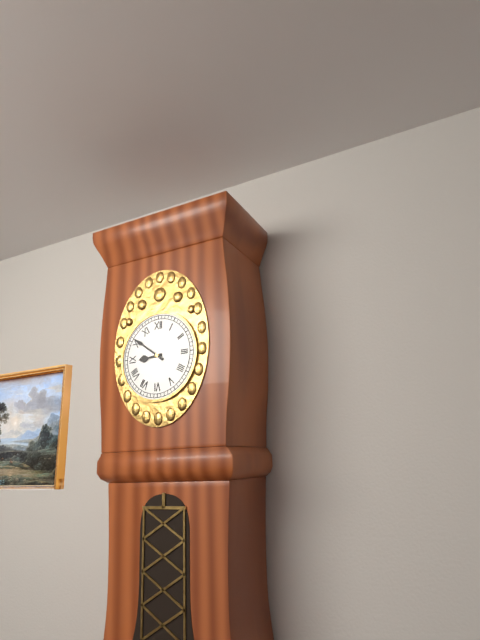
8:51
